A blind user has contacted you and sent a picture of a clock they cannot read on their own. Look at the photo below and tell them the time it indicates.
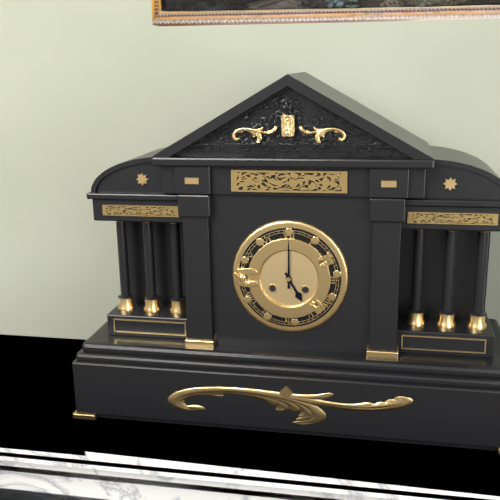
5:00
